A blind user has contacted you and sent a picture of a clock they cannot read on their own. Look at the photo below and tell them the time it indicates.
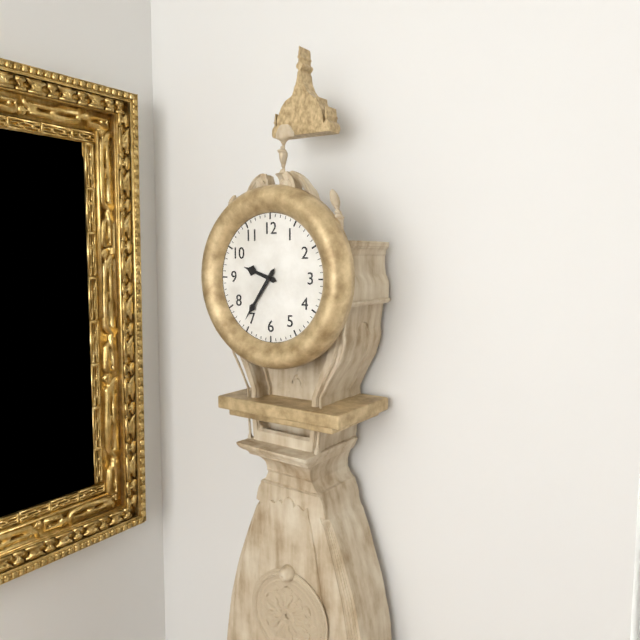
9:36
